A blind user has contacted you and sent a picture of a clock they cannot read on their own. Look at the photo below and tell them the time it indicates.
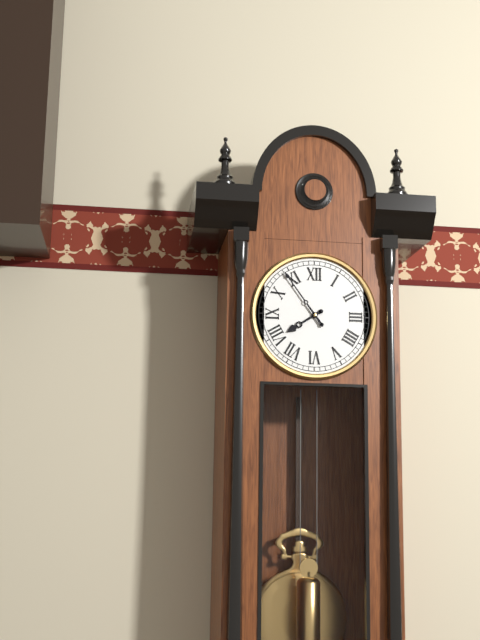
7:54
